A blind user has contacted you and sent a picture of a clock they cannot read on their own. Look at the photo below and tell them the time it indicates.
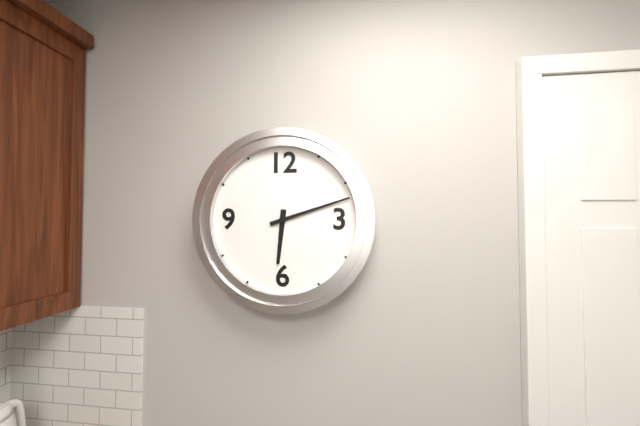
6:12
